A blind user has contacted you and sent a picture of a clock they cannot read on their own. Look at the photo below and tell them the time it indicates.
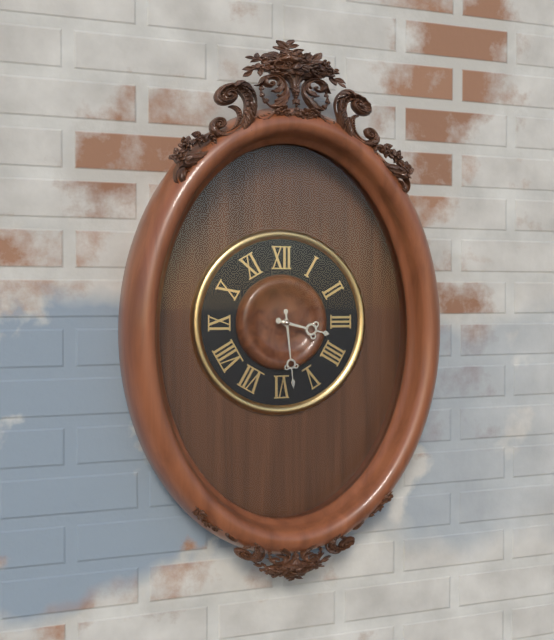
3:29
